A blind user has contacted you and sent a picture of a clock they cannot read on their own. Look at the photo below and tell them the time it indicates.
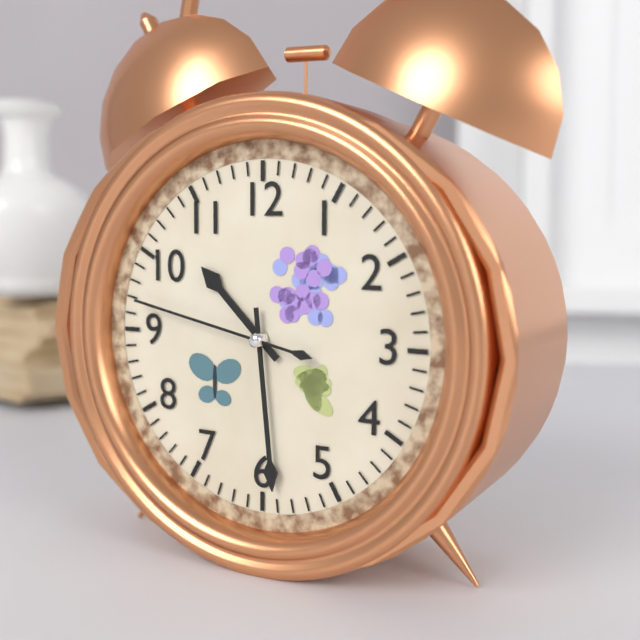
10:29:47
